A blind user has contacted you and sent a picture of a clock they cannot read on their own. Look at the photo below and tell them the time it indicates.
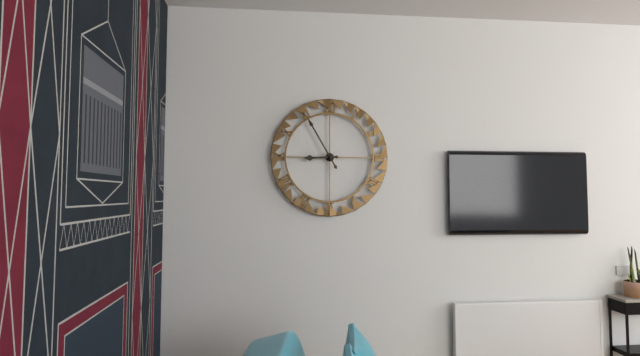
8:55
